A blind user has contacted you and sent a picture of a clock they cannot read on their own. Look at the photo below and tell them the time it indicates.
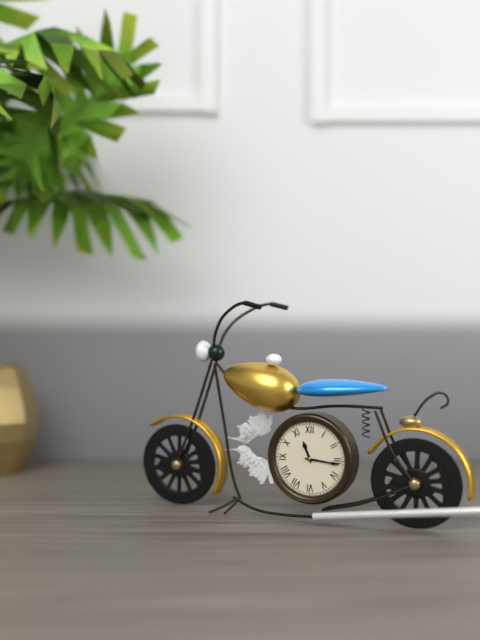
11:16
